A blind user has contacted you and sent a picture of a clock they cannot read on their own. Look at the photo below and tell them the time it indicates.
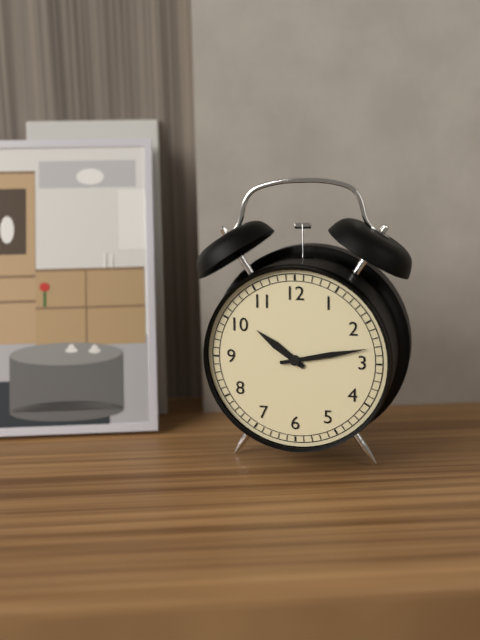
10:13
